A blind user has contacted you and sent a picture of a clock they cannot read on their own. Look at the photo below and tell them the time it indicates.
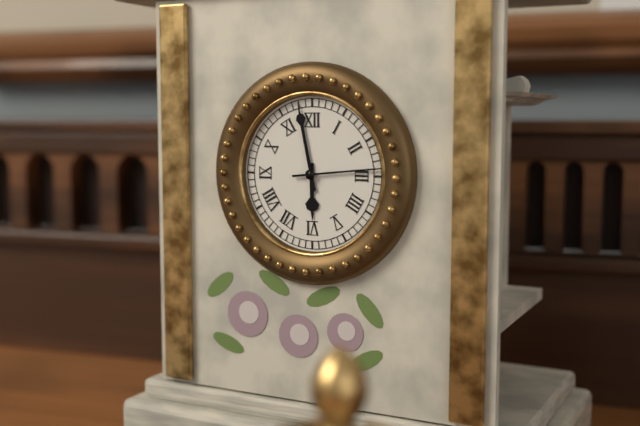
5:58:14
